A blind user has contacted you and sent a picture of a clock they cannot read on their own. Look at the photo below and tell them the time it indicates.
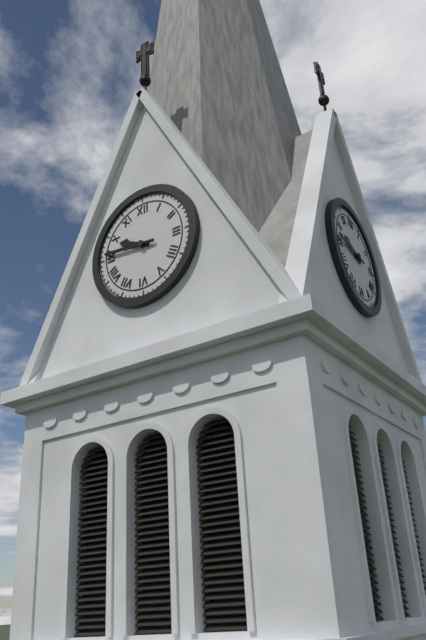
9:46
